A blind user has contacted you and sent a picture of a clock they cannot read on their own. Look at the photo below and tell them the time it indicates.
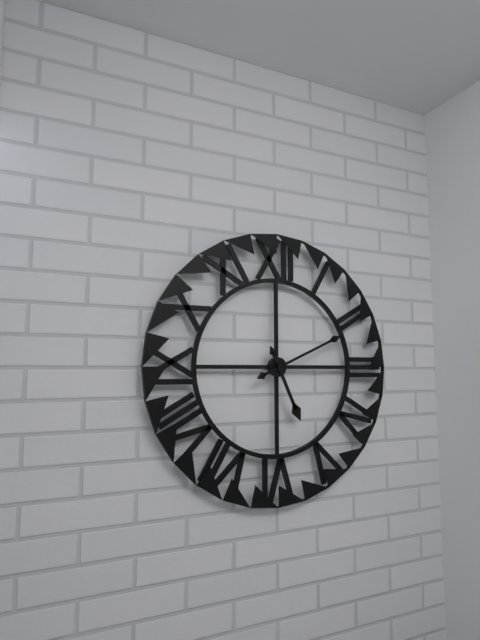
5:11
